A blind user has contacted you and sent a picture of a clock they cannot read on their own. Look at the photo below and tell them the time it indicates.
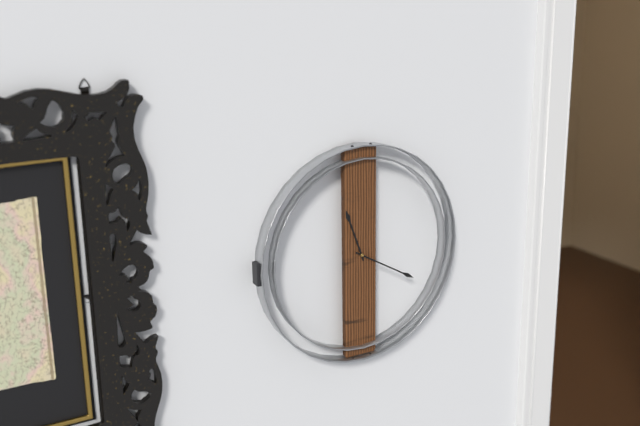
11:20
